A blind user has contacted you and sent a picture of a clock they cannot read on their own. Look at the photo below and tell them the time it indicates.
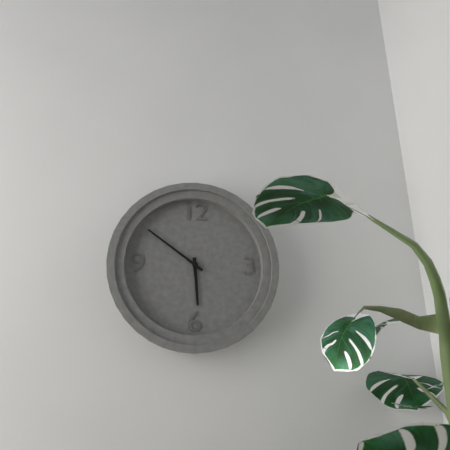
5:51
